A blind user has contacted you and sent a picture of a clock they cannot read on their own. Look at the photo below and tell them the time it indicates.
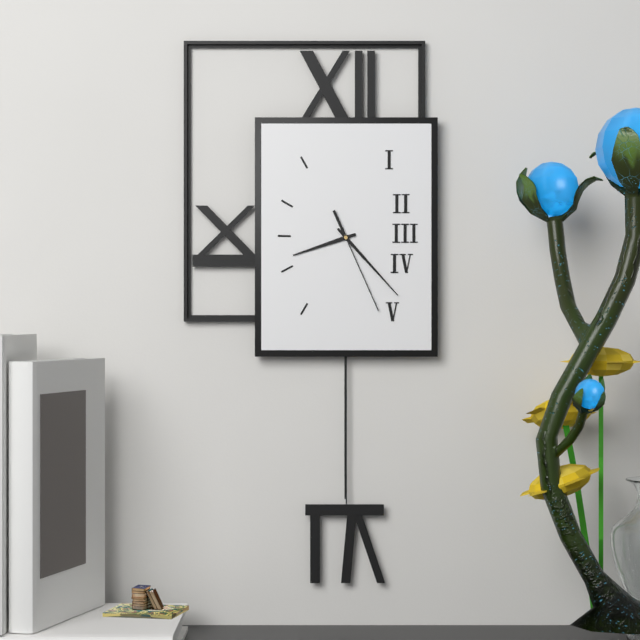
8:23:26
